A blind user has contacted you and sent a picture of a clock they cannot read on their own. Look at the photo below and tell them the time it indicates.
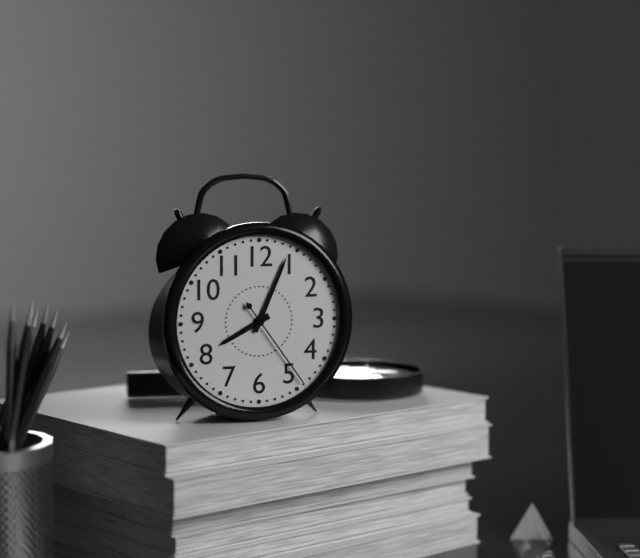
8:04:24
